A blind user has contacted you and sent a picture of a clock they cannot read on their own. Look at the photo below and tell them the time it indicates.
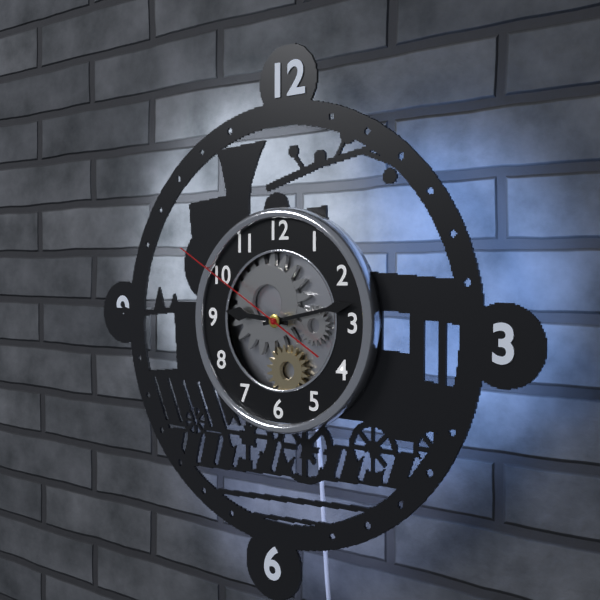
9:13:50
